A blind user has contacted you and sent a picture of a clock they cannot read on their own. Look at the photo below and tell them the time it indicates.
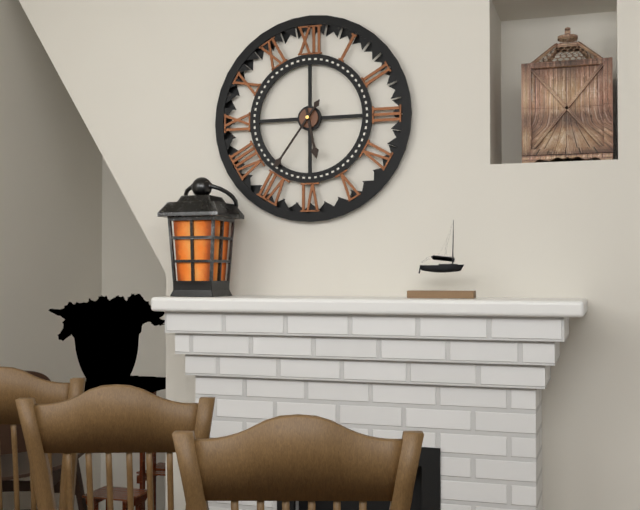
5:36
